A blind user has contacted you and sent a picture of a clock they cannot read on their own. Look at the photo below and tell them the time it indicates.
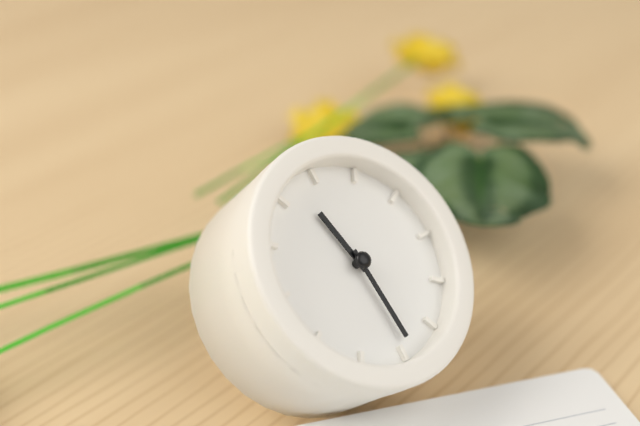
11:29
